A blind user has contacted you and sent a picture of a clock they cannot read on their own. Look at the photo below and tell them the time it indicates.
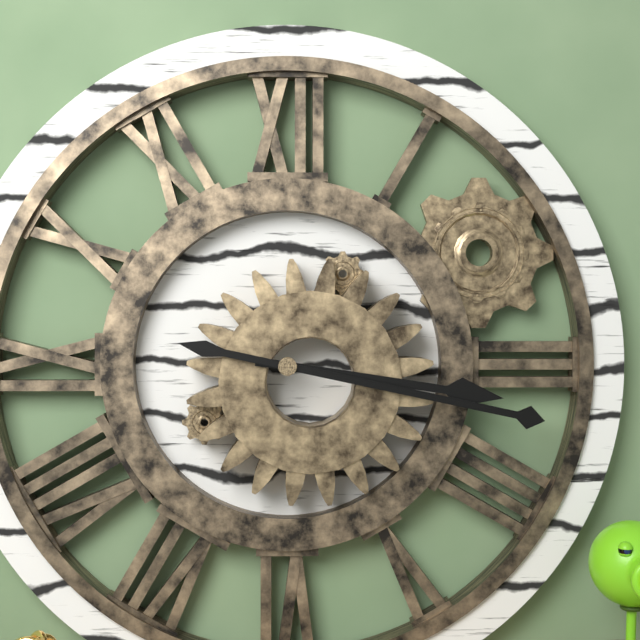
3:17
